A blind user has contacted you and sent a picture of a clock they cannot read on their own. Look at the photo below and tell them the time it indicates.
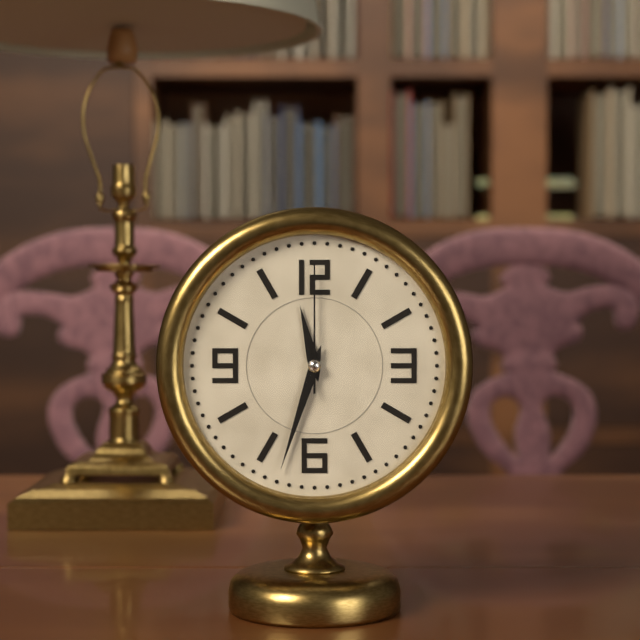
11:33:00
